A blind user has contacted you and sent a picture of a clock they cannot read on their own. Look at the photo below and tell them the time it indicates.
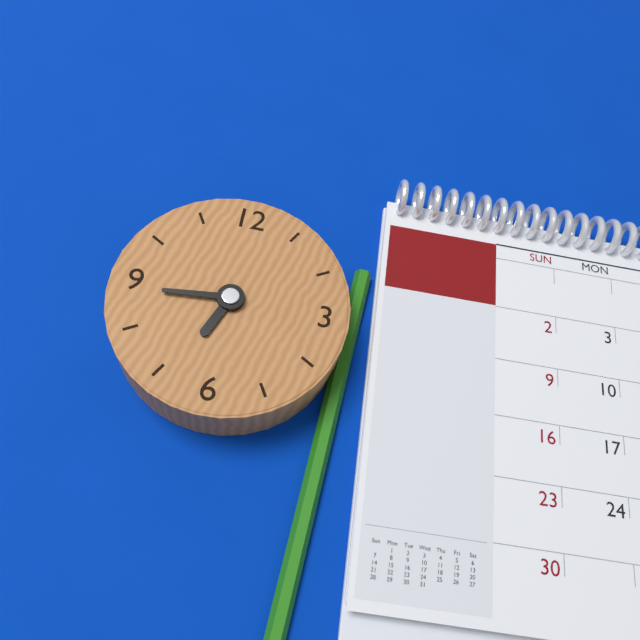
6:44
